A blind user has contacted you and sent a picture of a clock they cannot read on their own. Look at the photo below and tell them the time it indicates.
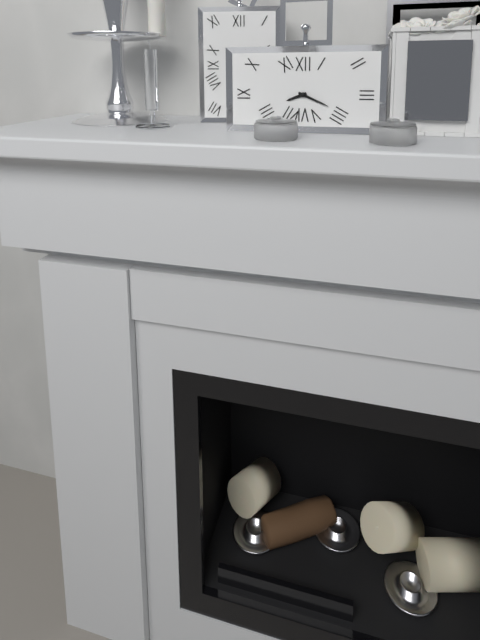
8:19
